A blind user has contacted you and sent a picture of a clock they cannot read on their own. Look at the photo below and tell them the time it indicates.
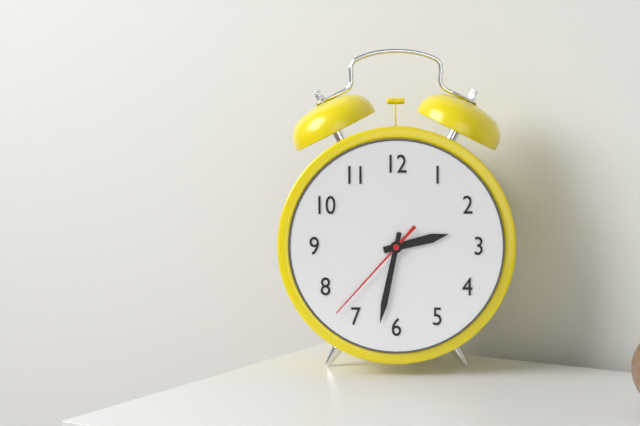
2:32:37
